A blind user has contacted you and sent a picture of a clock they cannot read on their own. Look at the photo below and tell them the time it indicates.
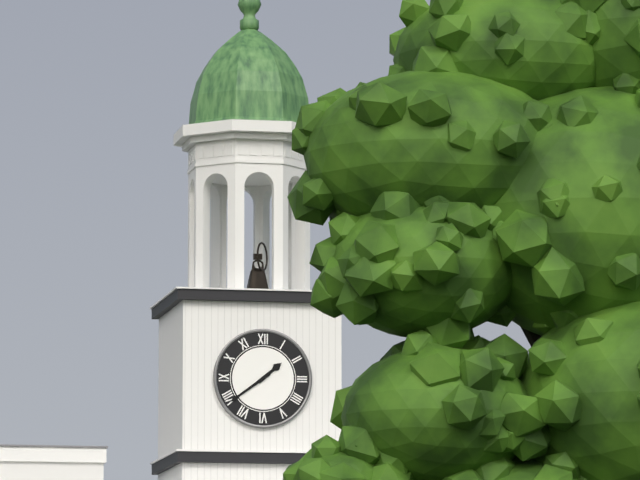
1:39
